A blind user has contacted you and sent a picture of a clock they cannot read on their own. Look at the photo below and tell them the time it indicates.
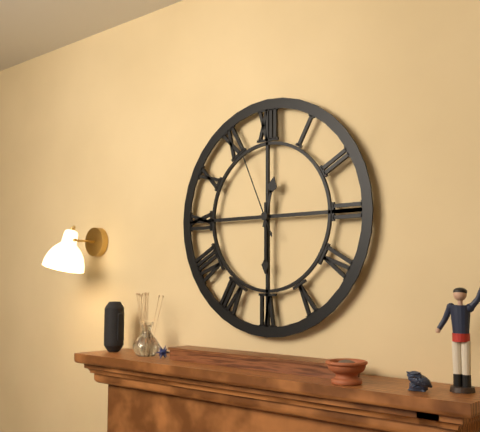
12:30:56
